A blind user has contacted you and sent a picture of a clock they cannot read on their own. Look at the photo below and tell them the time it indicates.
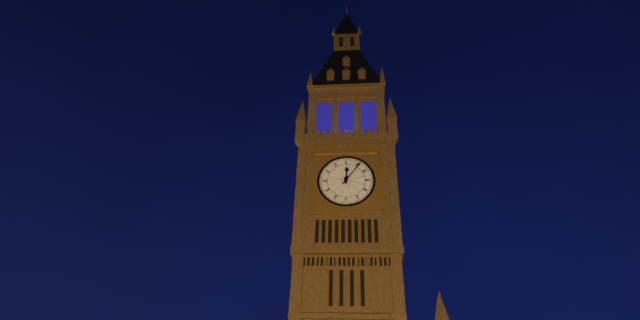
12:06
